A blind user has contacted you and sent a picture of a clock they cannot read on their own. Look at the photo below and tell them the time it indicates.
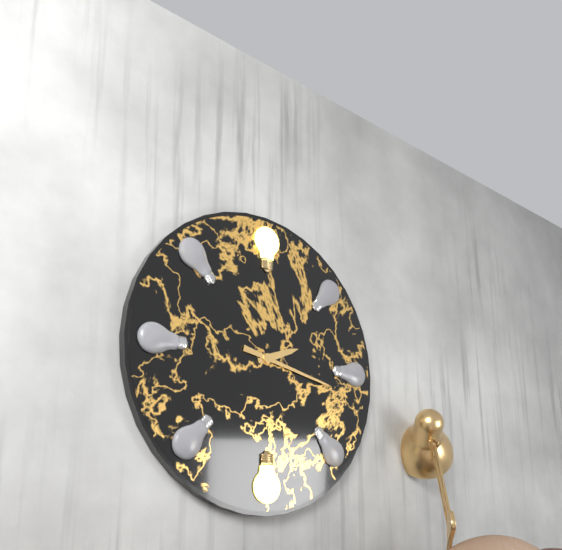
2:17
